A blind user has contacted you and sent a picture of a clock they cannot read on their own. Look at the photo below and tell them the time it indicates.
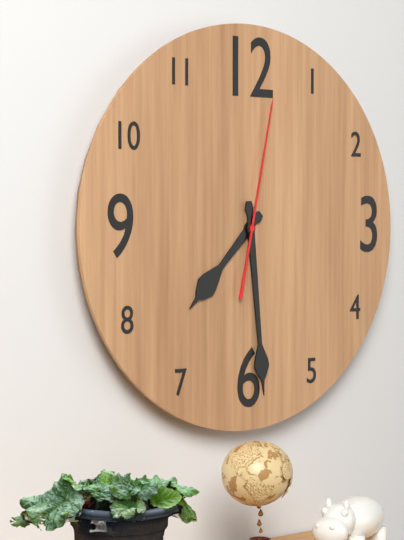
7:29:02
